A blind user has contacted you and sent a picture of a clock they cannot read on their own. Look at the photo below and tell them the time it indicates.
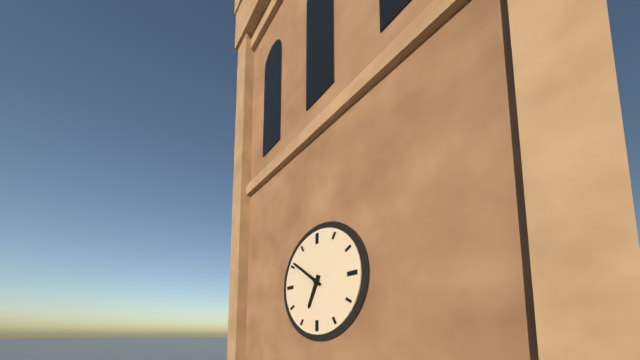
6:51
